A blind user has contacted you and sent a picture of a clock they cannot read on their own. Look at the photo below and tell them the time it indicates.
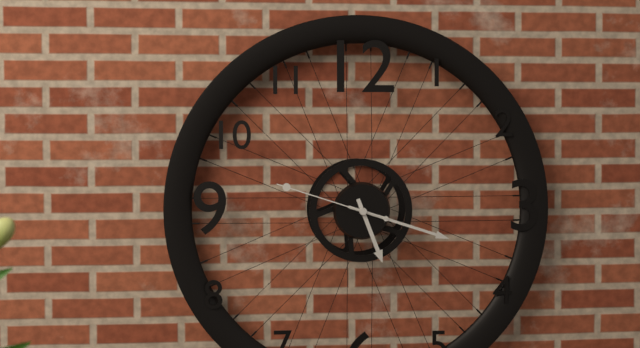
5:18:48
